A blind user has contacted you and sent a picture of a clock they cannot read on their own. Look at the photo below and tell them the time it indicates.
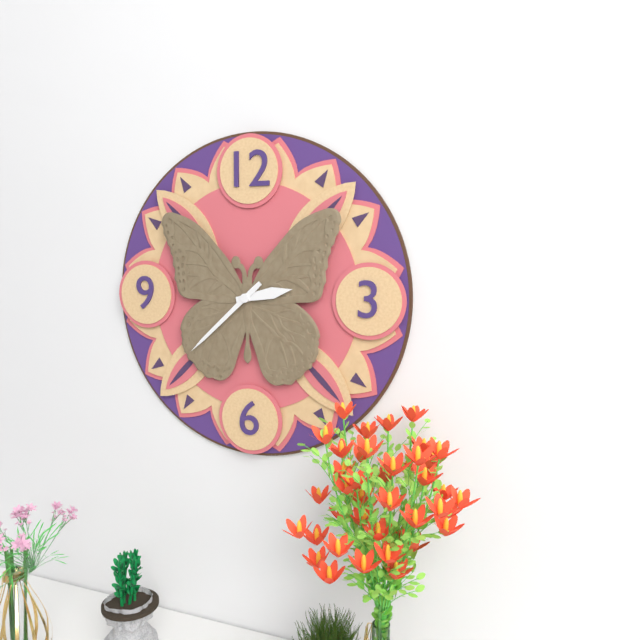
2:38
